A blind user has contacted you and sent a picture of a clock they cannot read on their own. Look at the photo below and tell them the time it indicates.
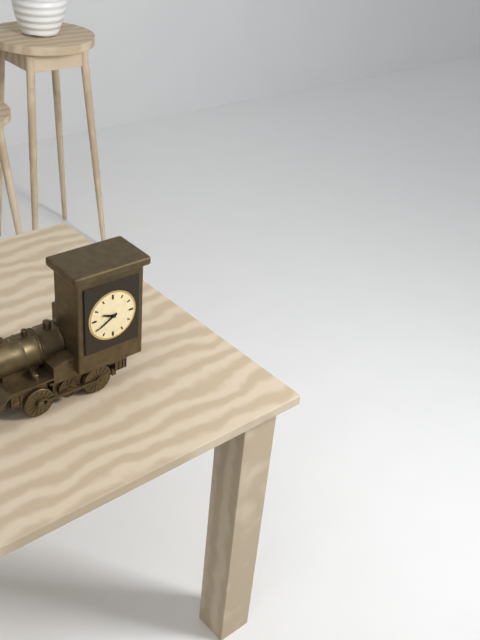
9:40
